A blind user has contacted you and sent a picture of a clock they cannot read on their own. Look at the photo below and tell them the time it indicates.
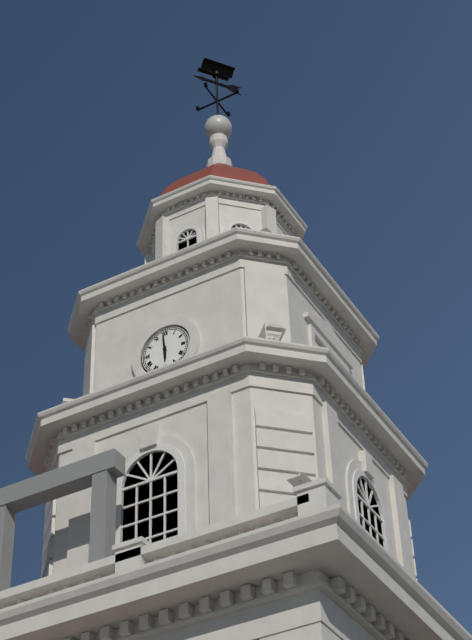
5:59
